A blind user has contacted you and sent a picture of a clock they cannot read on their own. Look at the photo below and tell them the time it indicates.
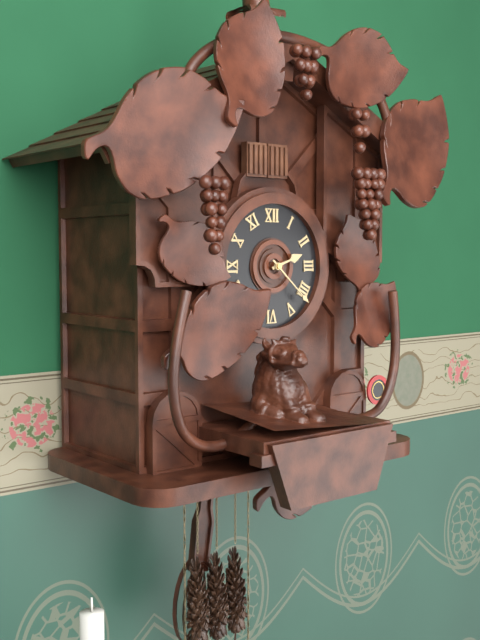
2:22
